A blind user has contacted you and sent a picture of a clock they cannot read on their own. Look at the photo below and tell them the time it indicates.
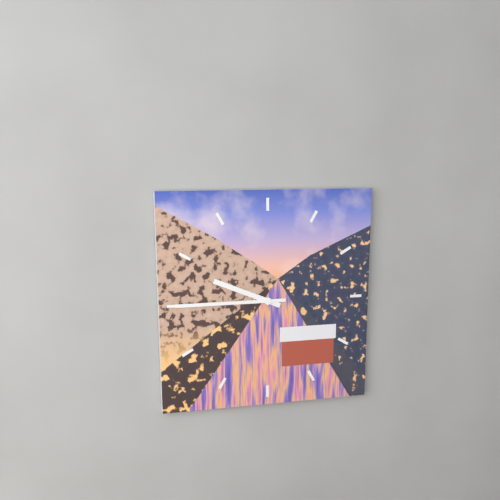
9:45
